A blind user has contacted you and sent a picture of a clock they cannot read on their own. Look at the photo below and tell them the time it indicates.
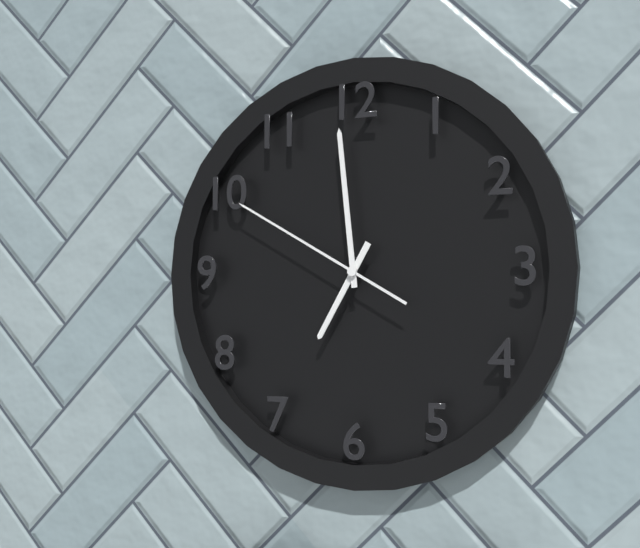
6:59:50
